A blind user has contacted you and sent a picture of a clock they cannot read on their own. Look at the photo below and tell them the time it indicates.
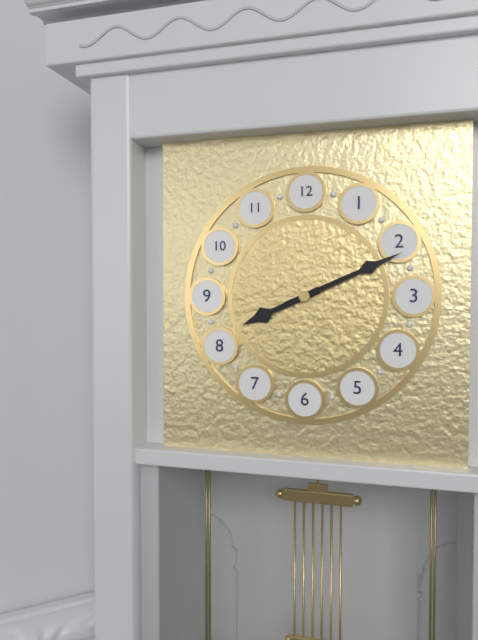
8:11
